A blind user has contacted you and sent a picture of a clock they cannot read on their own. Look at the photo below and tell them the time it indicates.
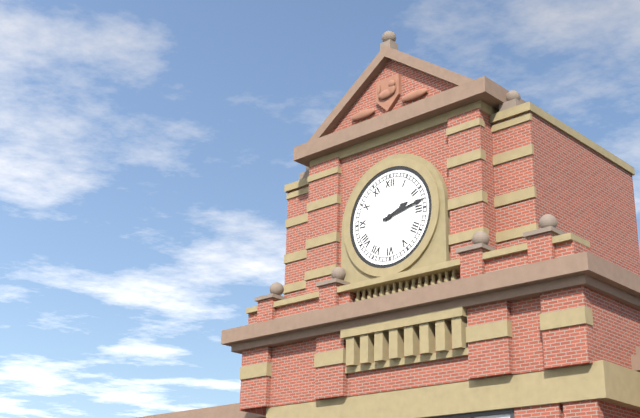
2:13
